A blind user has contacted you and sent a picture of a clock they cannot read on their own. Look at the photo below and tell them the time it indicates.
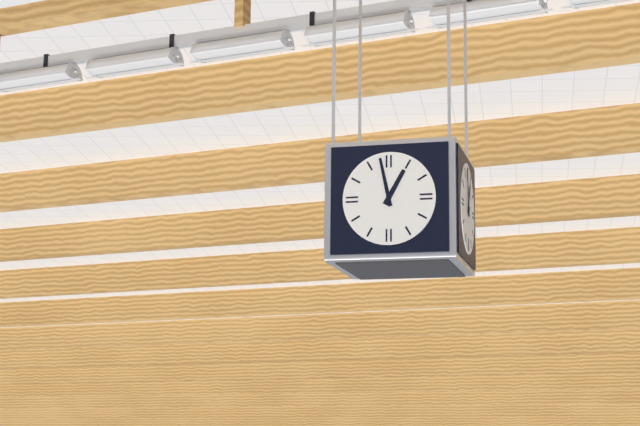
12:58
